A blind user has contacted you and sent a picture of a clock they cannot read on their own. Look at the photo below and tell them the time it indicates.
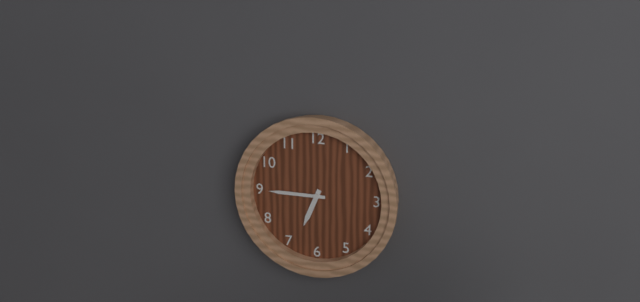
6:45
